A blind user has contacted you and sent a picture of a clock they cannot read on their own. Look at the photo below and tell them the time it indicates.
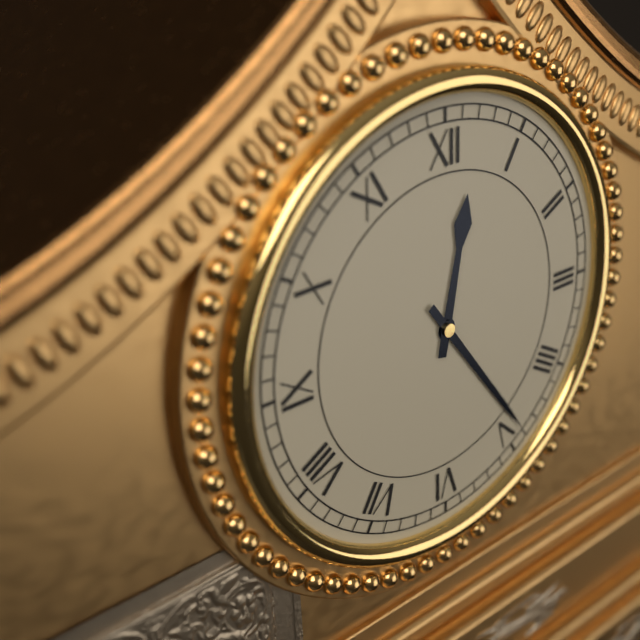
12:24
